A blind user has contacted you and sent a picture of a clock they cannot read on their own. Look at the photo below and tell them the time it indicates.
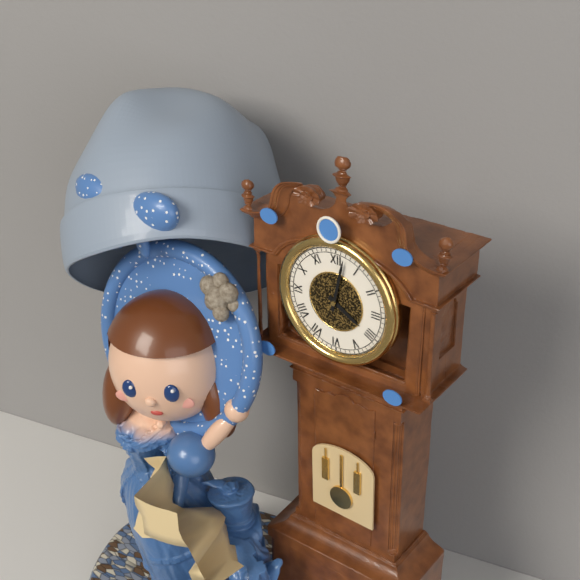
4:02
